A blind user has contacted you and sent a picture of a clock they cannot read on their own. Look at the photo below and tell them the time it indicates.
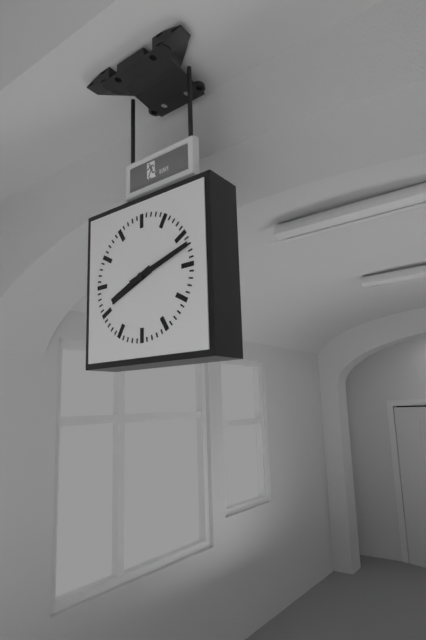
8:12
